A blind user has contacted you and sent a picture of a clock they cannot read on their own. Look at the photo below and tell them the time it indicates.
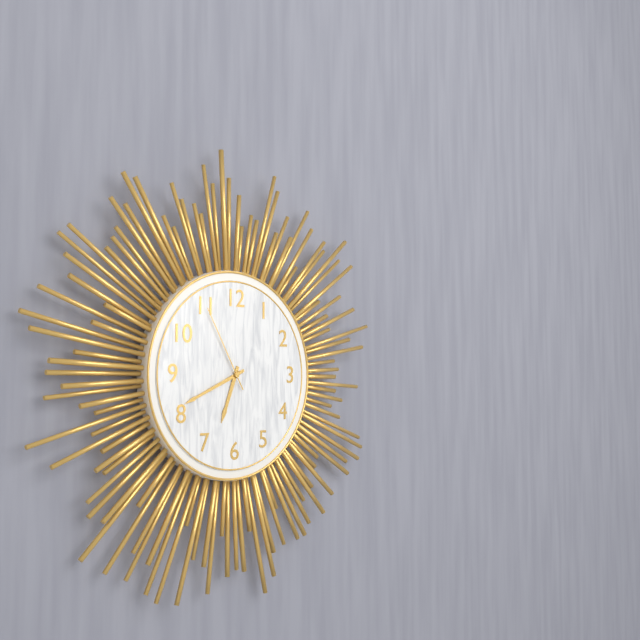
6:41:55
